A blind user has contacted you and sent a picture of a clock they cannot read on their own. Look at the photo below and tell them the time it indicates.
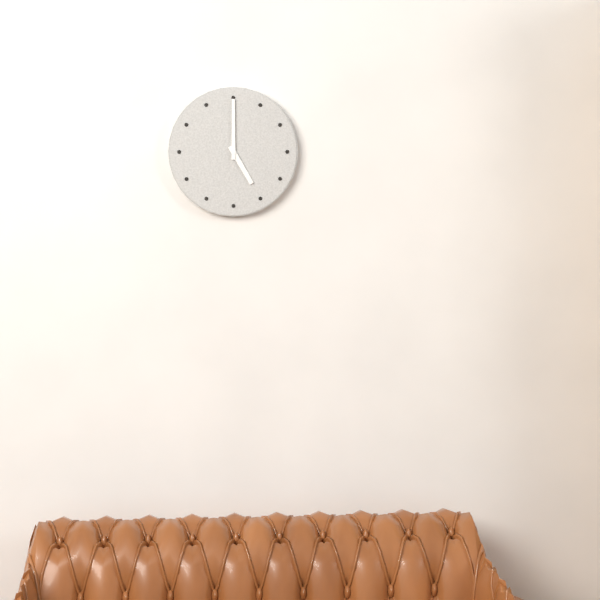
5:00
